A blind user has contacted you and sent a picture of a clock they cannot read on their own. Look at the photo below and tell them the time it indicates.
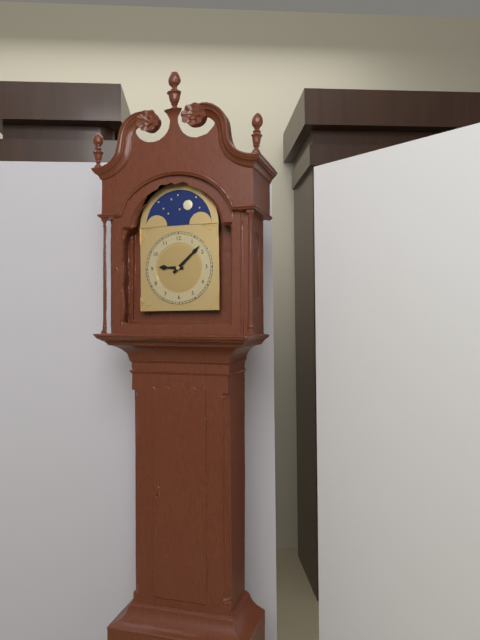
9:08
